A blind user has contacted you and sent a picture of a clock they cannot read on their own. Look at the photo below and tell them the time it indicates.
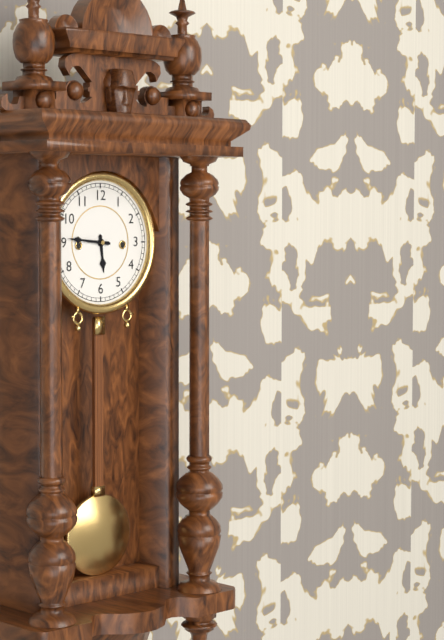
5:46
